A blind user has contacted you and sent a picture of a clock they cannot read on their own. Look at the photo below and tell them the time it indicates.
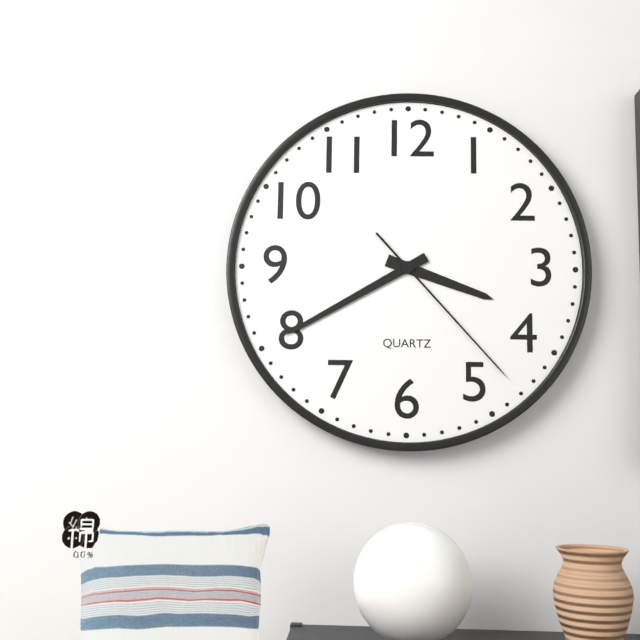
3:40:23
